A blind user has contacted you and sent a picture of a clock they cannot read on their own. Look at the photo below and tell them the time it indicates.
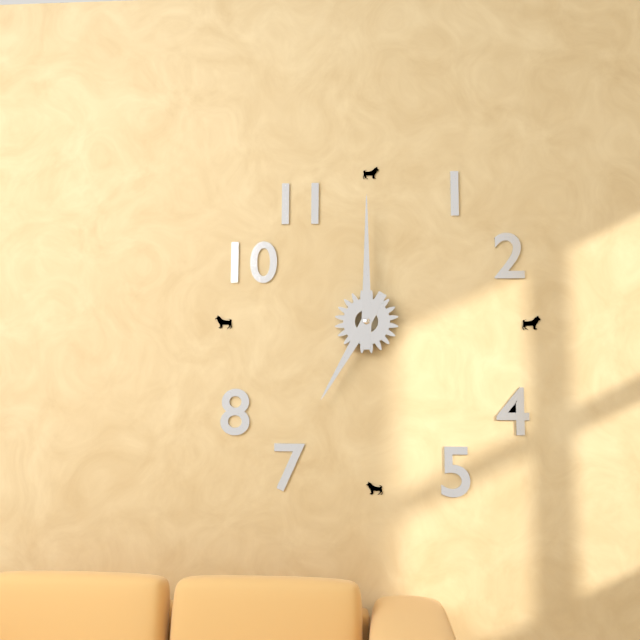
7:00
